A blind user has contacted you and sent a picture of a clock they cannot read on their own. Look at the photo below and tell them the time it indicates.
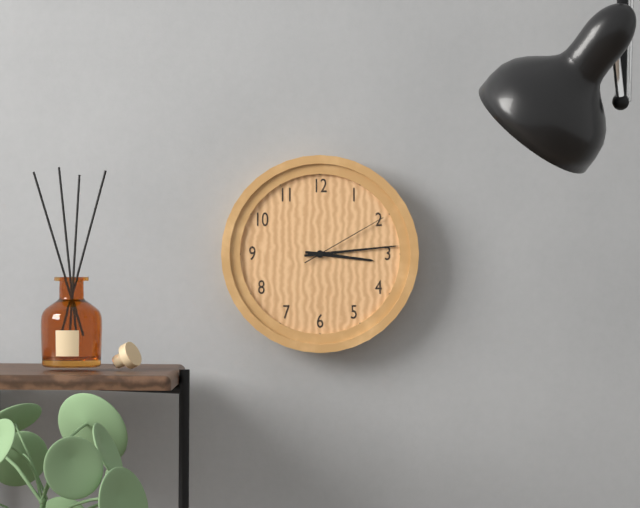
3:14:10
